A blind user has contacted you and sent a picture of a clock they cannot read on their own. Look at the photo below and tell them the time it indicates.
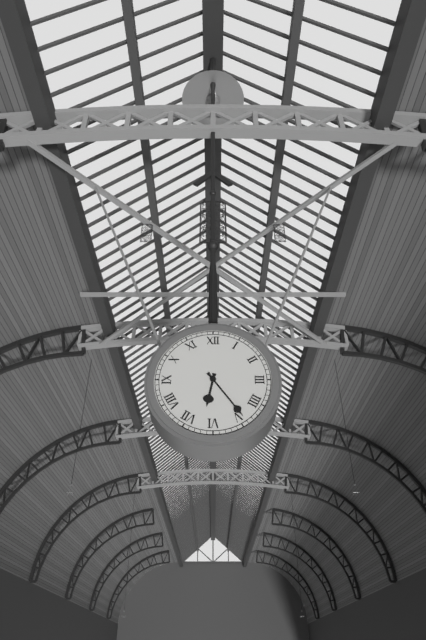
6:24
